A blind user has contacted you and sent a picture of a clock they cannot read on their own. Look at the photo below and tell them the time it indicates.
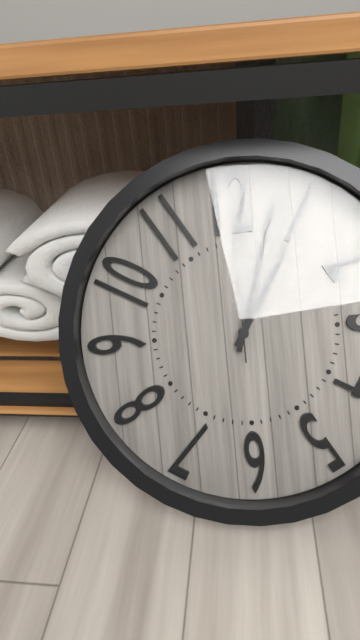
1:03:00
